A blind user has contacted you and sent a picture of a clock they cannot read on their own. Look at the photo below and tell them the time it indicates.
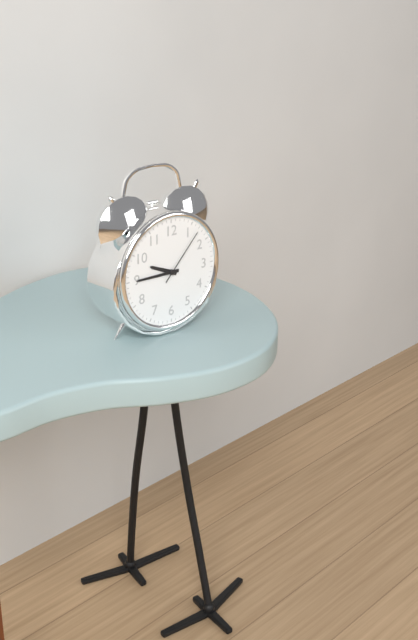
9:45:07
